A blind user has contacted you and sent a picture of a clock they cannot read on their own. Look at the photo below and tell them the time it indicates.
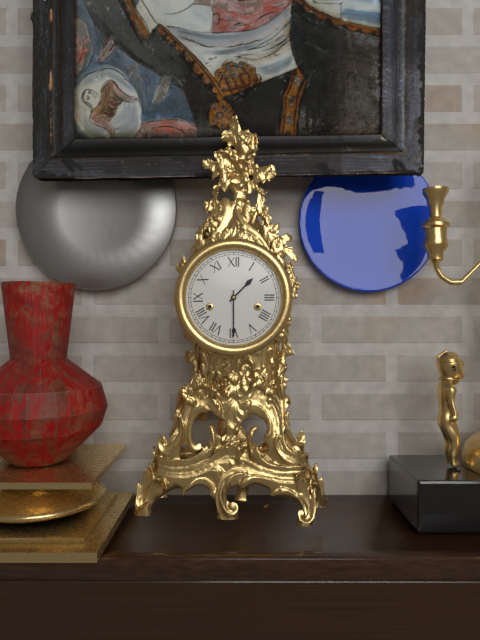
1:30
